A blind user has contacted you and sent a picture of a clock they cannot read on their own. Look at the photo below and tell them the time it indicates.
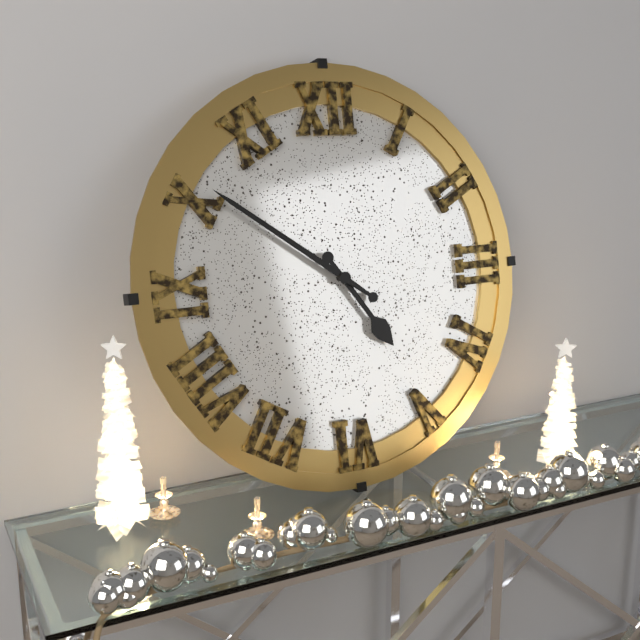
4:51
